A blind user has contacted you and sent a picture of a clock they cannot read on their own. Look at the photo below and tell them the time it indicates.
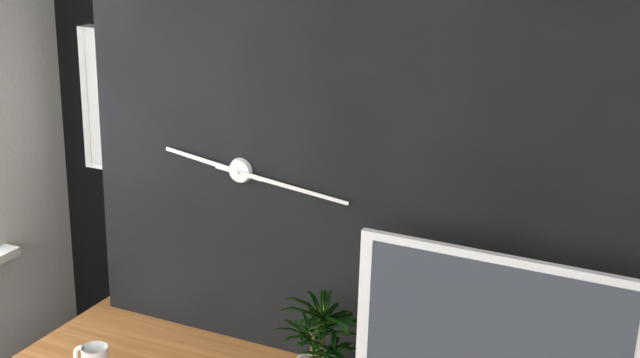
9:16
